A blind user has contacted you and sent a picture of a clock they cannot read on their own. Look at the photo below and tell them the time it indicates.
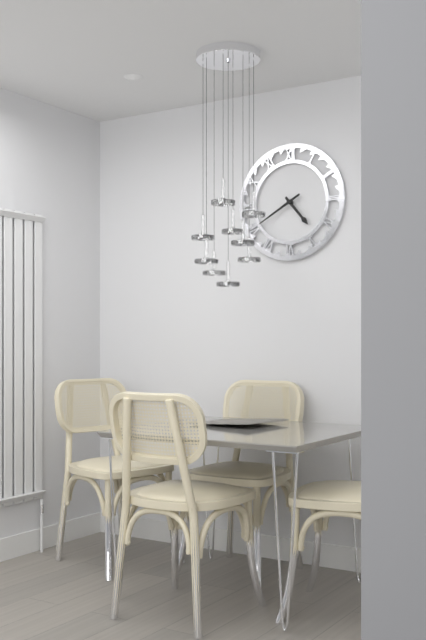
4:40
